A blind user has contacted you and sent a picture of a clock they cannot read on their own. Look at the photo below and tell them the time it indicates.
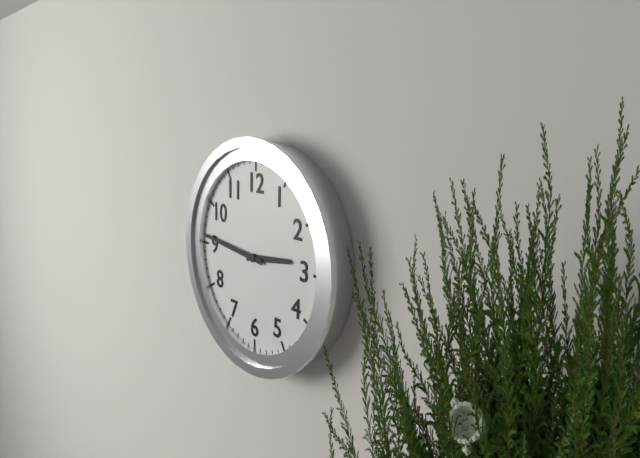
2:46
